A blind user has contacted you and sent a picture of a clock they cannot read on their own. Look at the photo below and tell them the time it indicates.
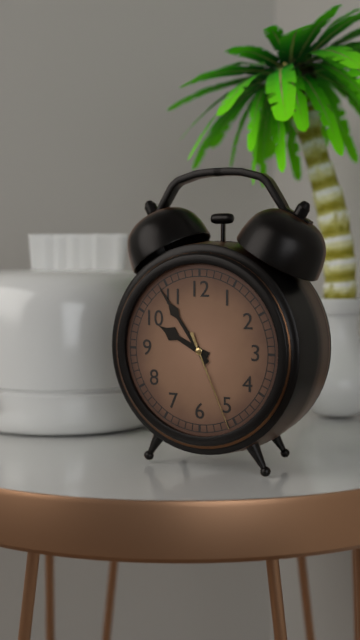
9:54:26
